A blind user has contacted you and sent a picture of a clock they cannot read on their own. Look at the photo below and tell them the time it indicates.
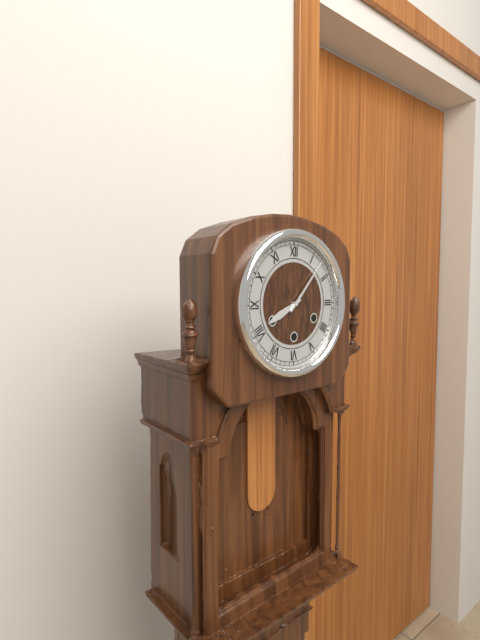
8:07
